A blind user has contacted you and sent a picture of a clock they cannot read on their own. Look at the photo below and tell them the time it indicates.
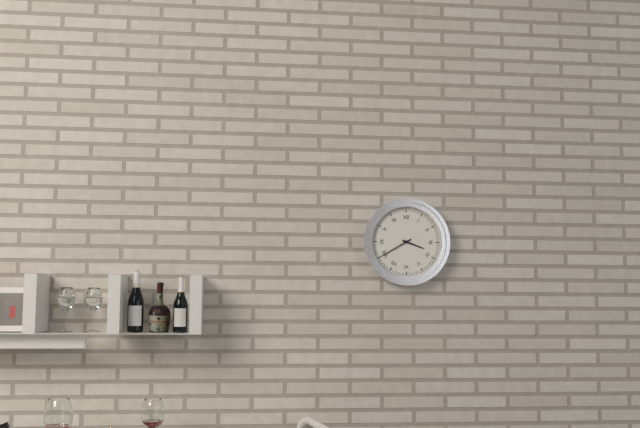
3:40
